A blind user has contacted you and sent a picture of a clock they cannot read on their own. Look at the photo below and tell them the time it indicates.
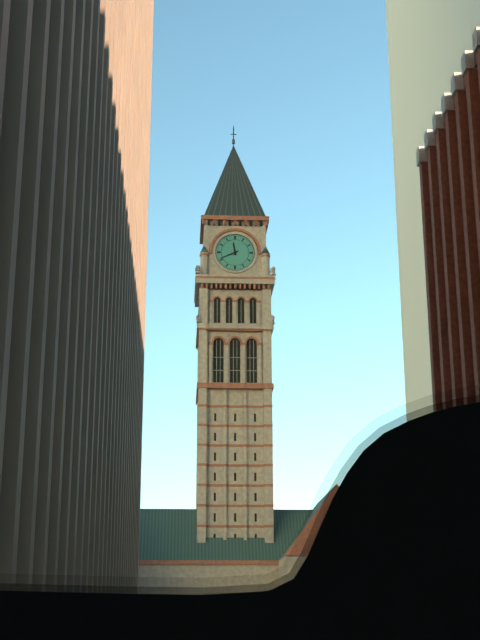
11:41
